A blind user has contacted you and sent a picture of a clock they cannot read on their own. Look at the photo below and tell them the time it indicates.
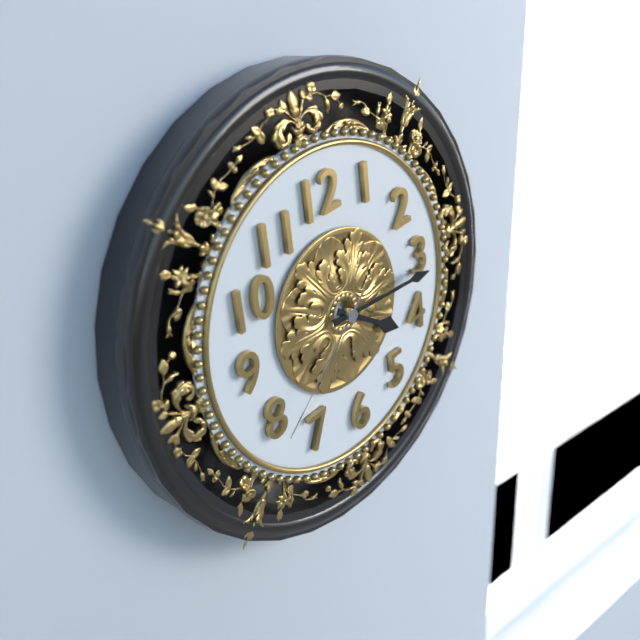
4:16:39
